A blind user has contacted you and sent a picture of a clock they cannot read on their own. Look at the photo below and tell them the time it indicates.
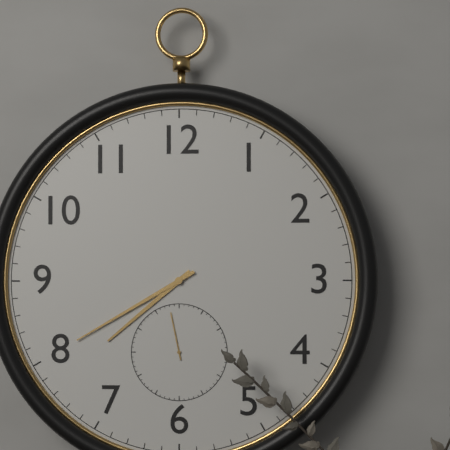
7:40:58
